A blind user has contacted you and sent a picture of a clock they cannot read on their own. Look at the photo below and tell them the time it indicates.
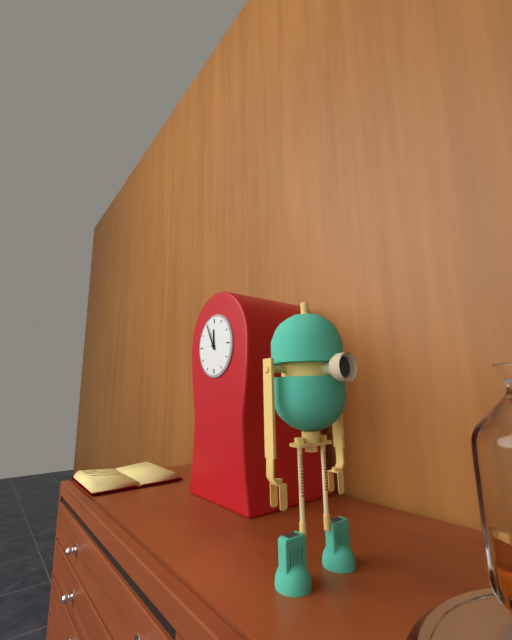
11:55
